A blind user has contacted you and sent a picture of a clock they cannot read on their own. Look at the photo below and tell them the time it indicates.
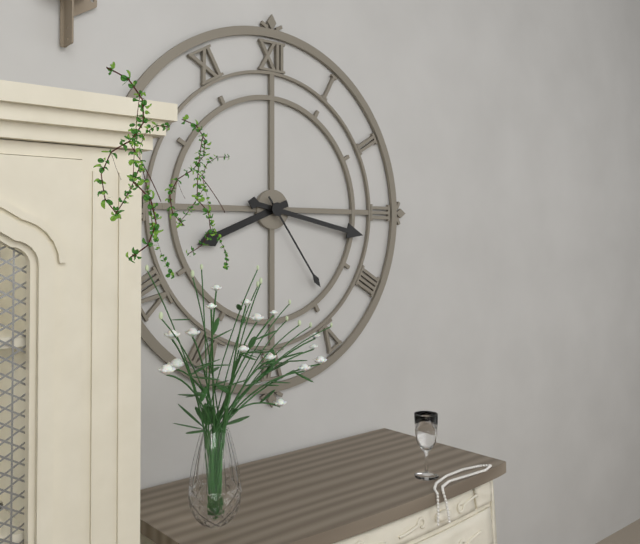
8:17:24
